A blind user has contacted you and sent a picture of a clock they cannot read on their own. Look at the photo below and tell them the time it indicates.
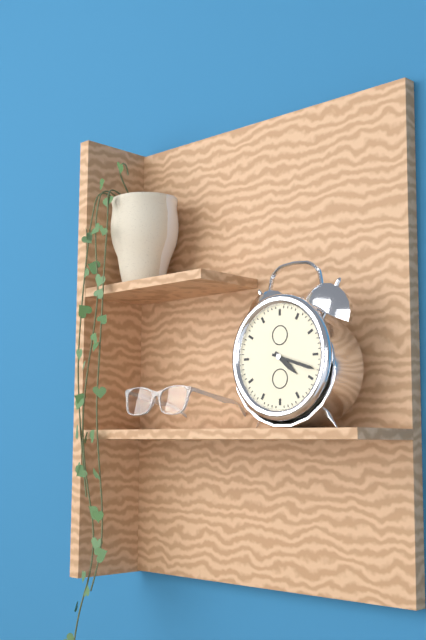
4:18
